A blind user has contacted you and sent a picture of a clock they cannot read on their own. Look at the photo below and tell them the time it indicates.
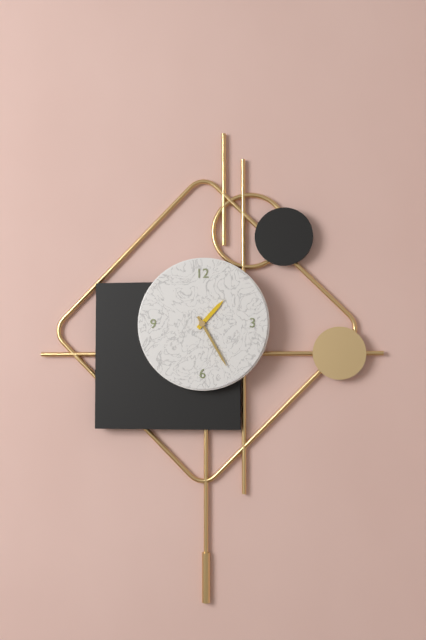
1:25
